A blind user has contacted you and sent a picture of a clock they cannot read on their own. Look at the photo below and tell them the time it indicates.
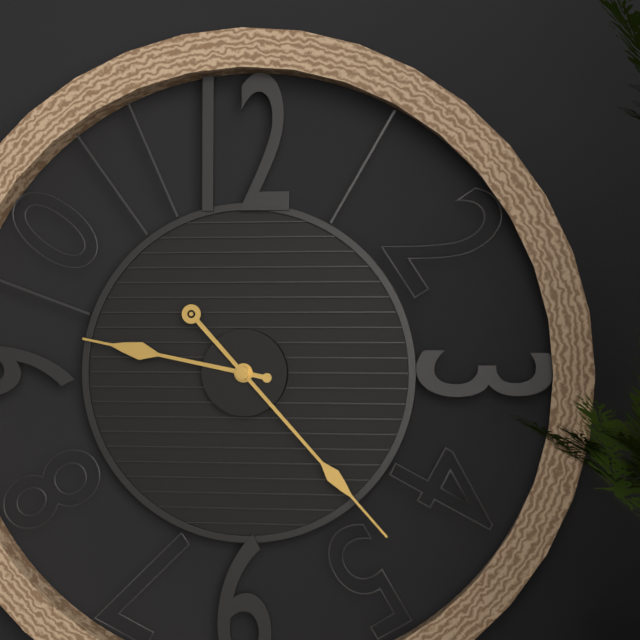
9:23
